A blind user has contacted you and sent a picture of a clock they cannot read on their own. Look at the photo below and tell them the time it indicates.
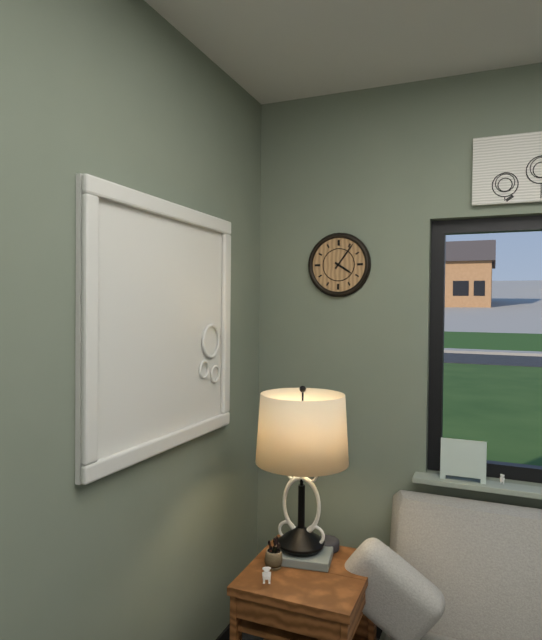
4:06
